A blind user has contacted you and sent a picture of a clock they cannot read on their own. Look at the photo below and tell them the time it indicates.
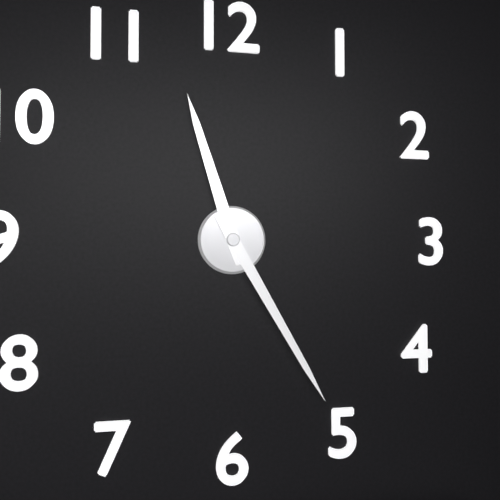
11:25
